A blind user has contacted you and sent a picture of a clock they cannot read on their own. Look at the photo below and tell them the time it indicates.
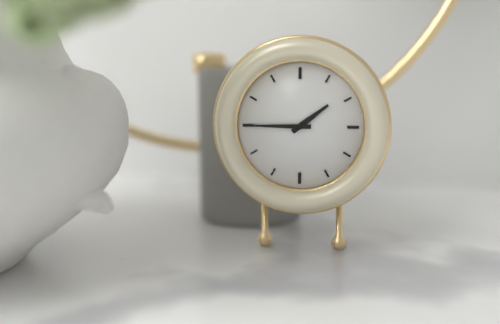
1:45
